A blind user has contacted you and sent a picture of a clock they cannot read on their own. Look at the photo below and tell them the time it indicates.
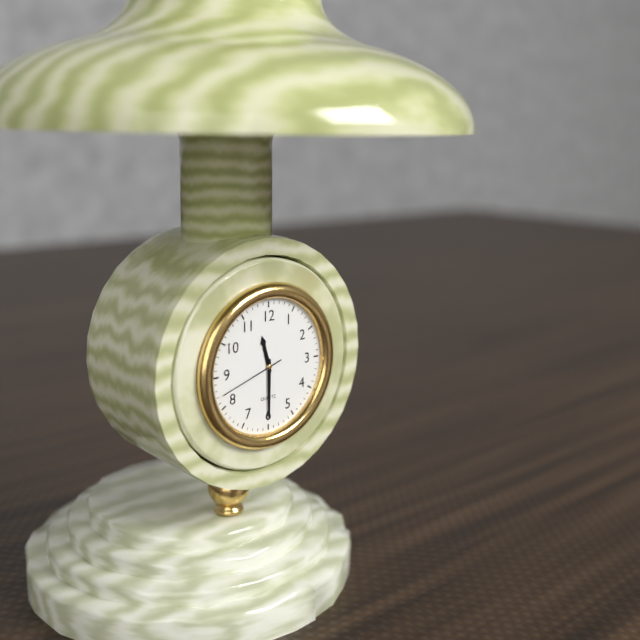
11:30:42
